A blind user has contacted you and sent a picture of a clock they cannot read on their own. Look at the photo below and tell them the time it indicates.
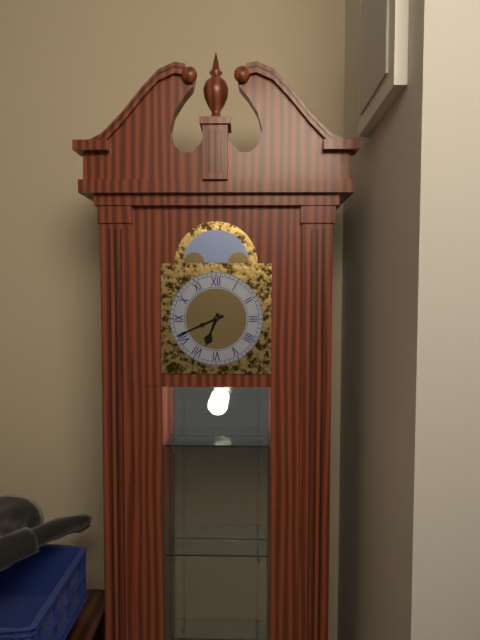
6:41
